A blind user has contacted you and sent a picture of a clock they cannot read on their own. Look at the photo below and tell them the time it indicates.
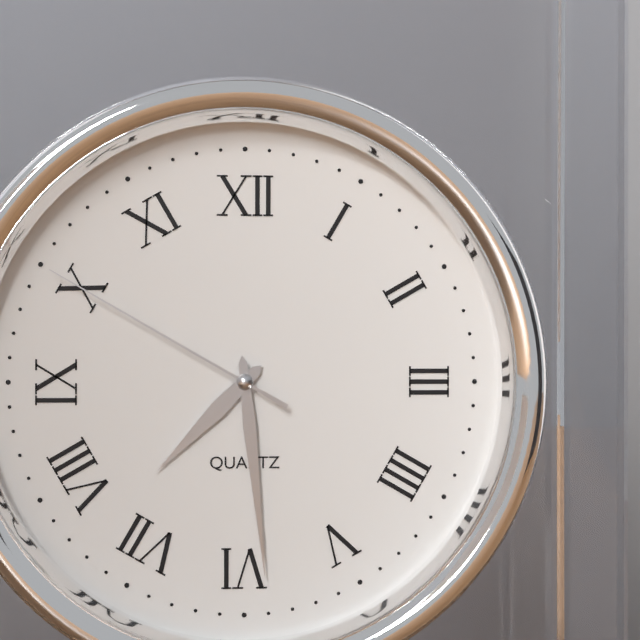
7:29:50
